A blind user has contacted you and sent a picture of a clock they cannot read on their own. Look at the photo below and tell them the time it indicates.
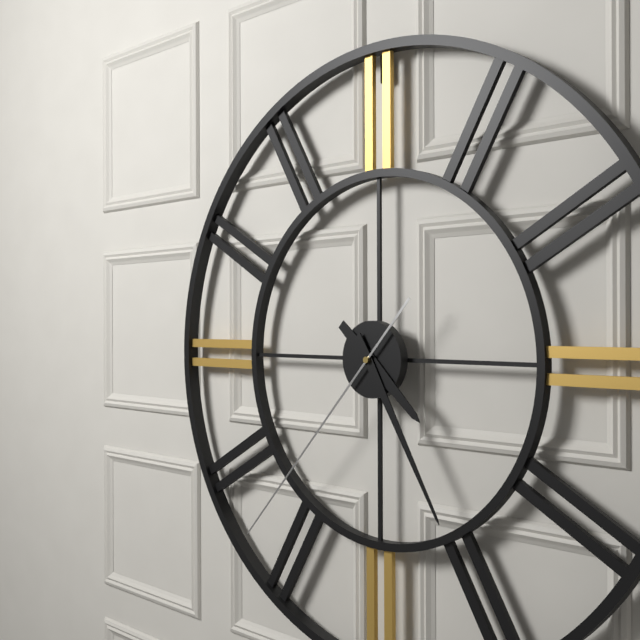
4:25:37
